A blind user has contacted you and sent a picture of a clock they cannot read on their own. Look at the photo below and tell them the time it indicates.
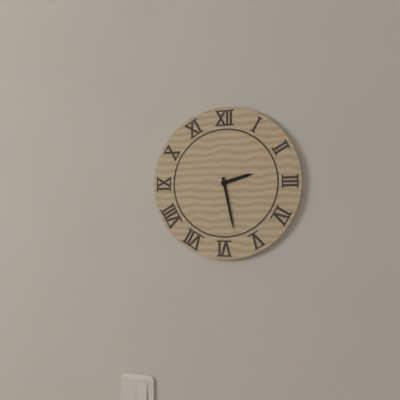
2:28
